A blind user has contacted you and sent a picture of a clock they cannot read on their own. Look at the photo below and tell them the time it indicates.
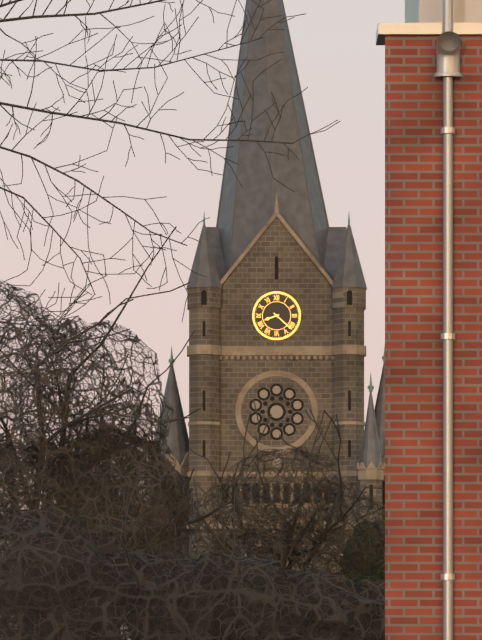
8:22
